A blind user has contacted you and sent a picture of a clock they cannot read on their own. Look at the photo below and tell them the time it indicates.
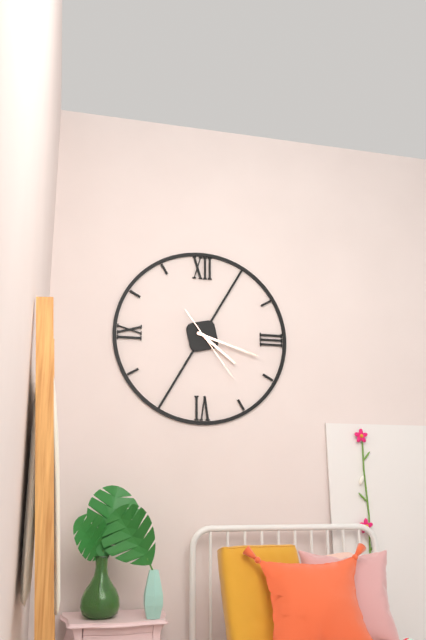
4:18:24
